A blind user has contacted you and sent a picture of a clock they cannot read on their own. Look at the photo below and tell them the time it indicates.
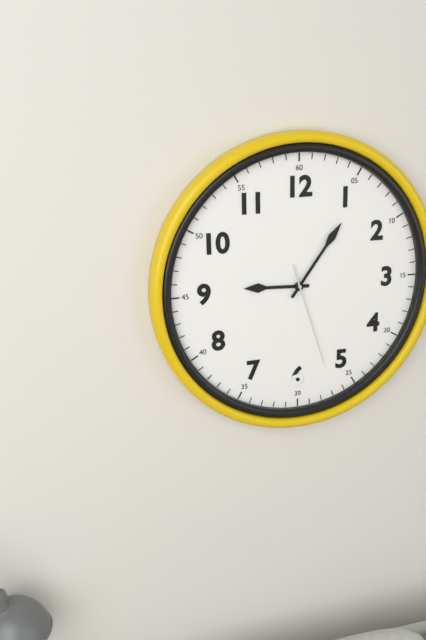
9:06:27
